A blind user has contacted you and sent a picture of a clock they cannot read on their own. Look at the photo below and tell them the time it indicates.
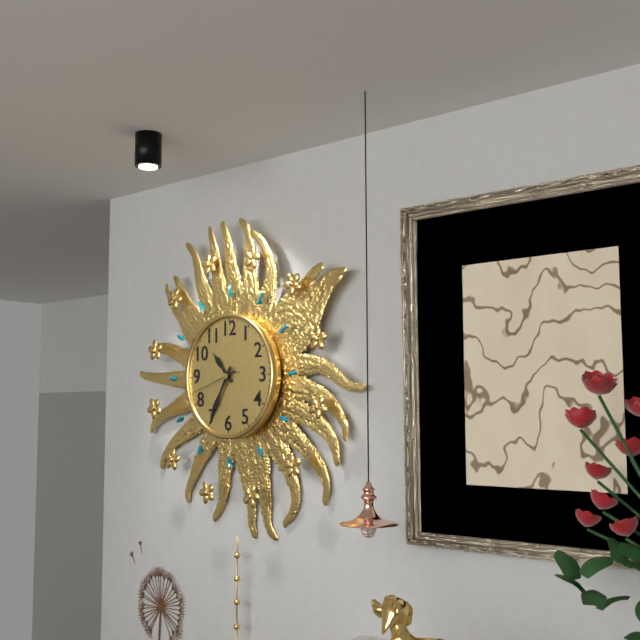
10:35:42
